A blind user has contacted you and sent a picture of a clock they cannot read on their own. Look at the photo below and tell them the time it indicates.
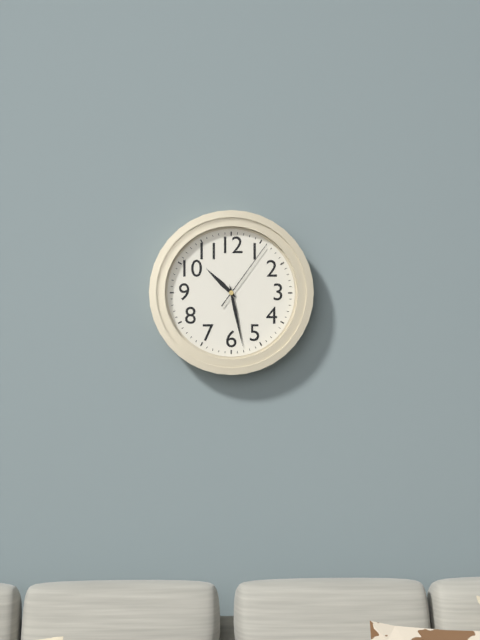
10:28:06
